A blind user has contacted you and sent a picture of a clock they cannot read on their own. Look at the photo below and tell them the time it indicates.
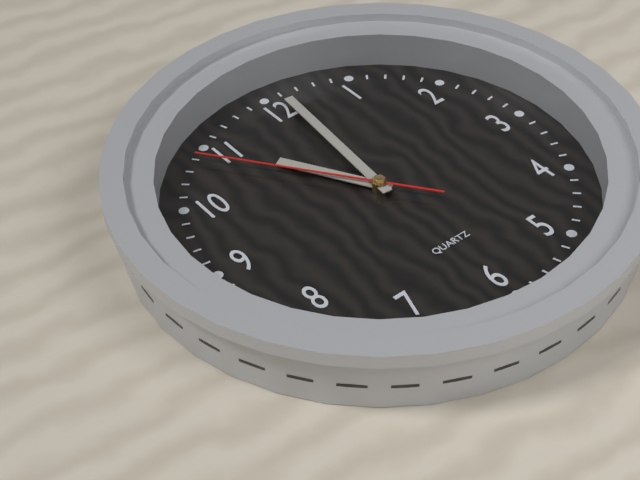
11:01:54
